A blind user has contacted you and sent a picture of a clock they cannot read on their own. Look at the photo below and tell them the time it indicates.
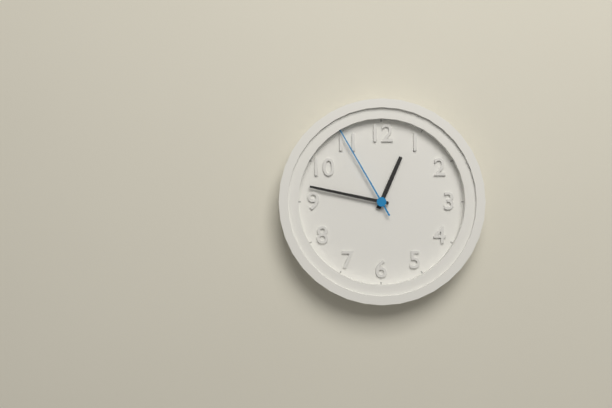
12:47:55
